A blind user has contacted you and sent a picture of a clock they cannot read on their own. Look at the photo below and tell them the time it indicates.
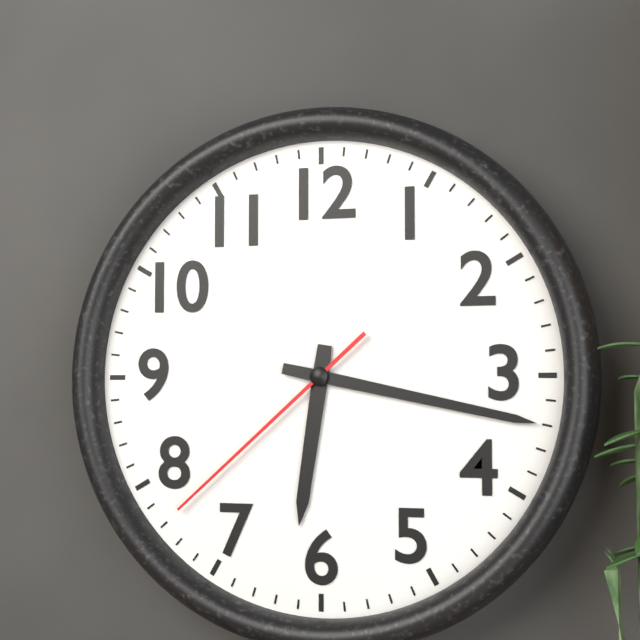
6:17:38
